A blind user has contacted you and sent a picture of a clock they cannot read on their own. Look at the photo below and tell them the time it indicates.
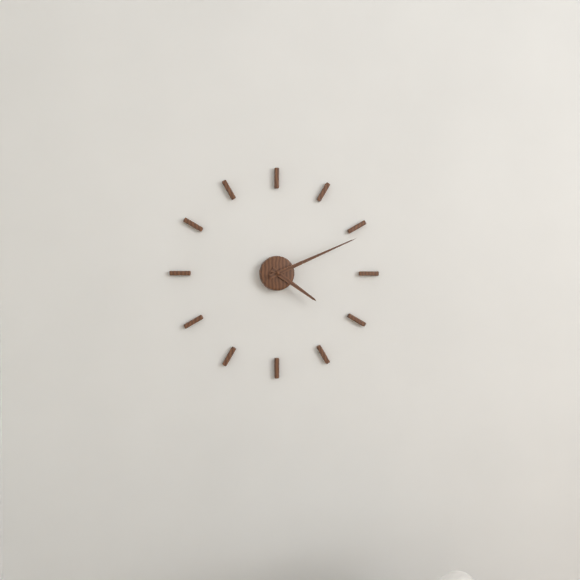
4:11
